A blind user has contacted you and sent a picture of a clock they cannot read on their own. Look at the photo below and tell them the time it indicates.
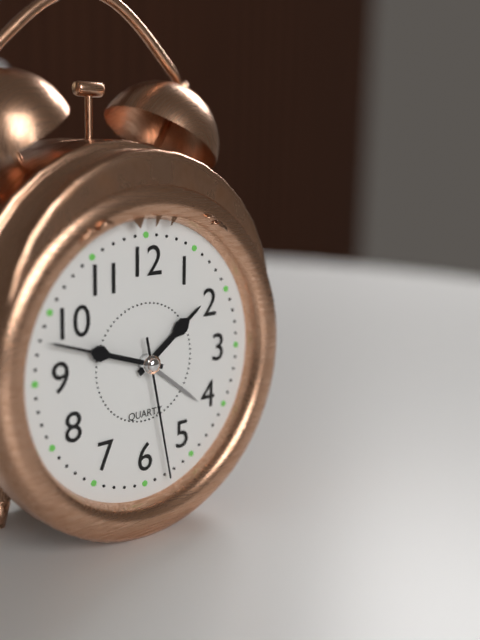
1:48:28
